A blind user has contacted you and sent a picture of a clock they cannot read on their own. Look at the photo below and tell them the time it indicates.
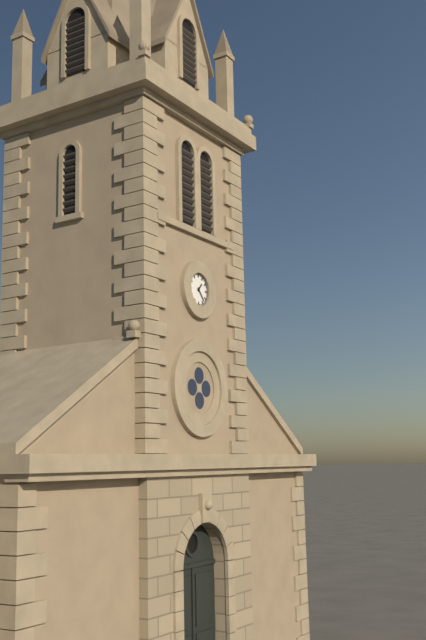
1:23
